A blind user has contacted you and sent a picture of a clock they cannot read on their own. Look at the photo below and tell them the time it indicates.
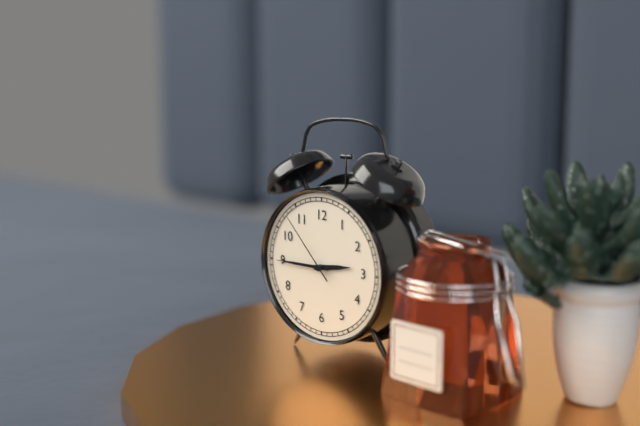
2:45:53
